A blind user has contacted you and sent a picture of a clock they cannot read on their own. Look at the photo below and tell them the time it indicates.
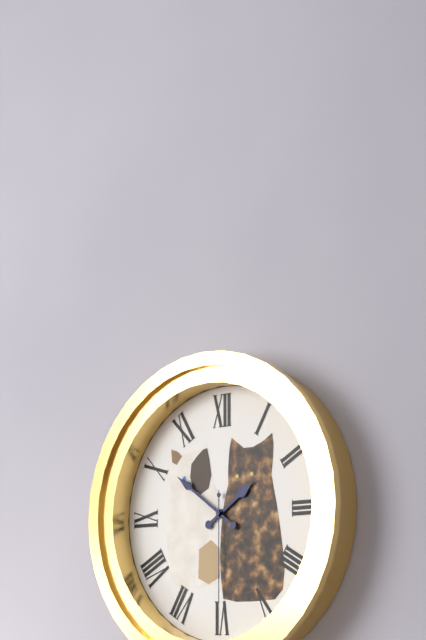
1:51:30
